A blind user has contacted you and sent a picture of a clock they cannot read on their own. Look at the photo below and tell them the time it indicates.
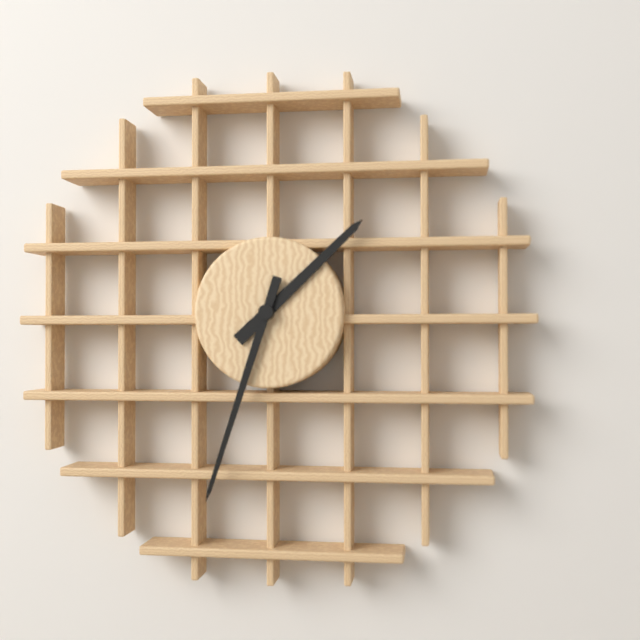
1:33
